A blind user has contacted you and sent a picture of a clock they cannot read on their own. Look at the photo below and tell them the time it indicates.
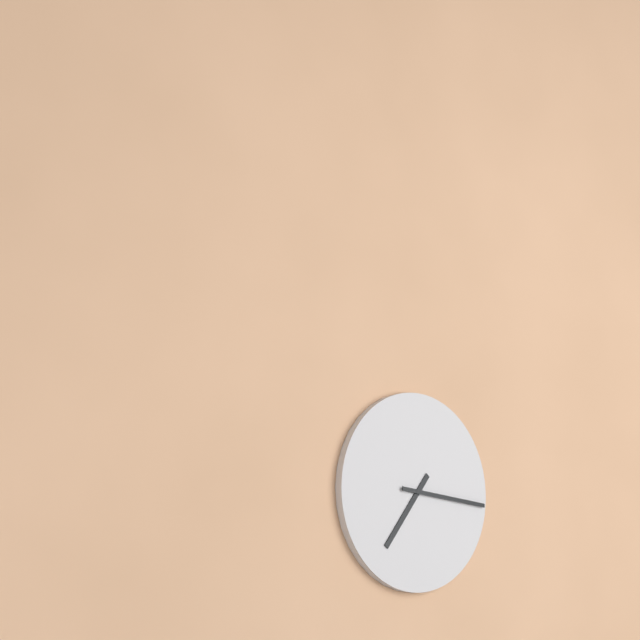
7:16
